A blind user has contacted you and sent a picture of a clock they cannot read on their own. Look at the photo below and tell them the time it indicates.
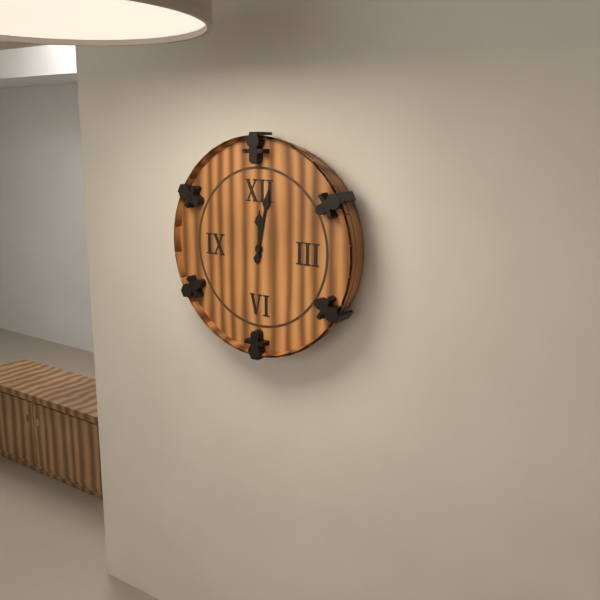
12:02
